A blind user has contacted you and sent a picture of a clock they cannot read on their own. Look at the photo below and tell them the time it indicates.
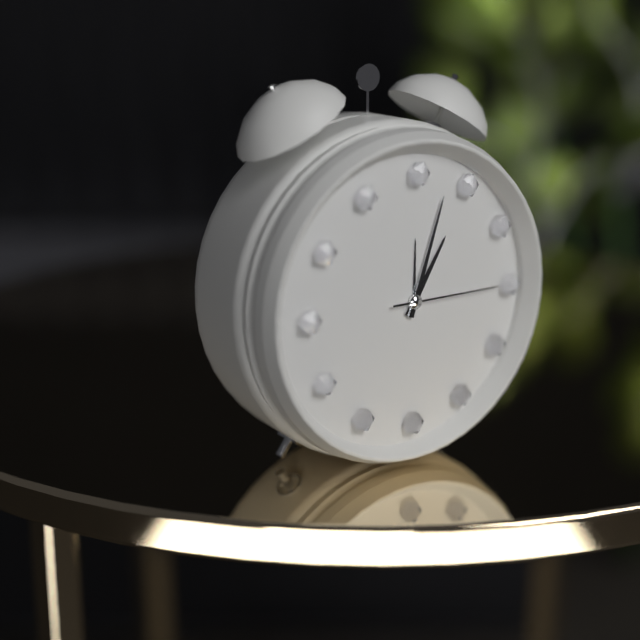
1:03:15
